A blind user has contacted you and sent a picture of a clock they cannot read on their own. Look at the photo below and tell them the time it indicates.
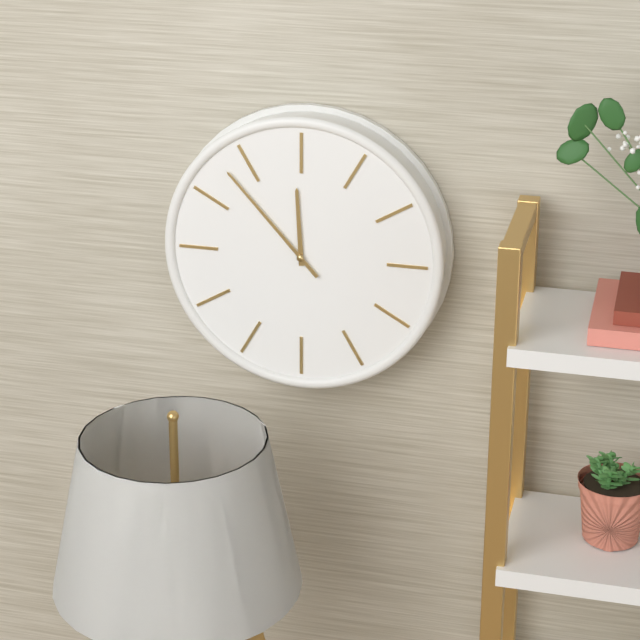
11:53
